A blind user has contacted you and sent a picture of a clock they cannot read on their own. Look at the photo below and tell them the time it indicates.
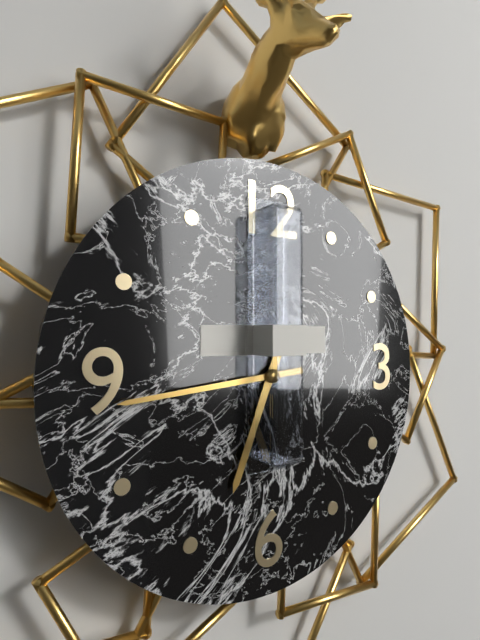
6:44
